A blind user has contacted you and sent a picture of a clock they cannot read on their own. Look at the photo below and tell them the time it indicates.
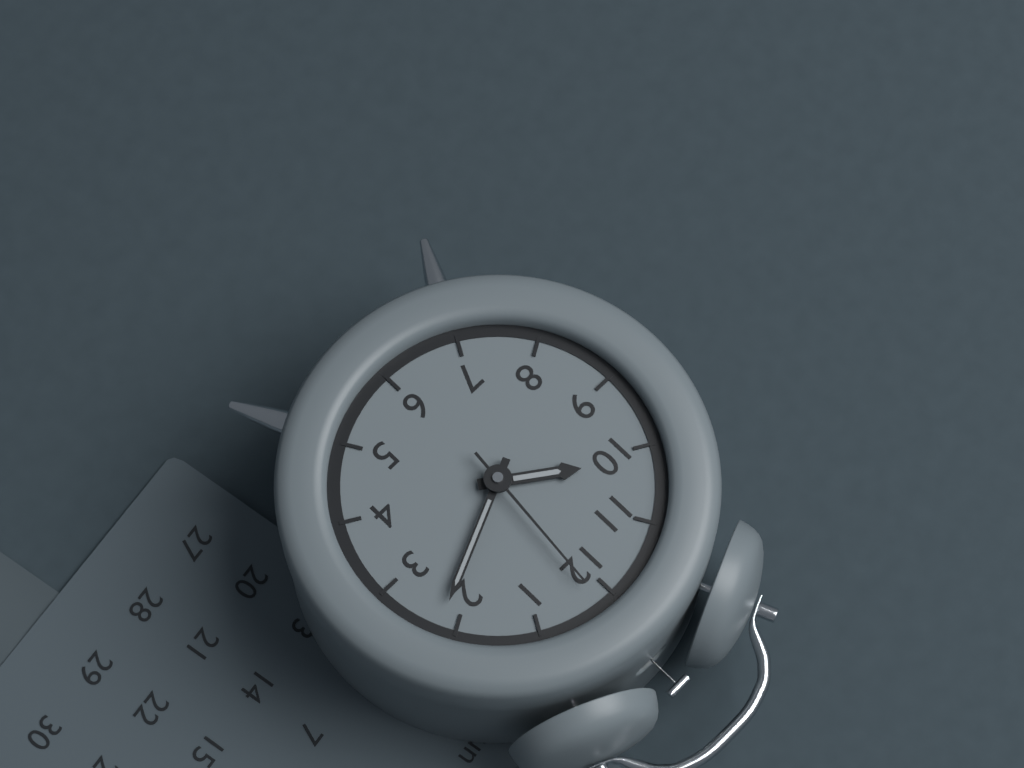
10:11:01
